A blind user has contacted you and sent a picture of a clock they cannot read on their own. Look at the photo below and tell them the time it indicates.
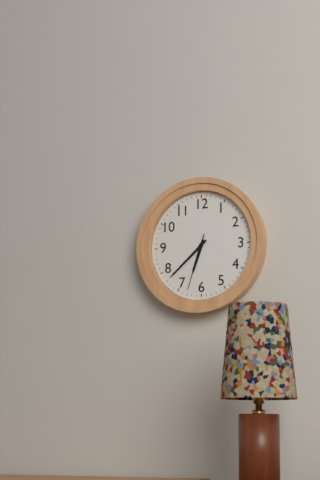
6:38:33
